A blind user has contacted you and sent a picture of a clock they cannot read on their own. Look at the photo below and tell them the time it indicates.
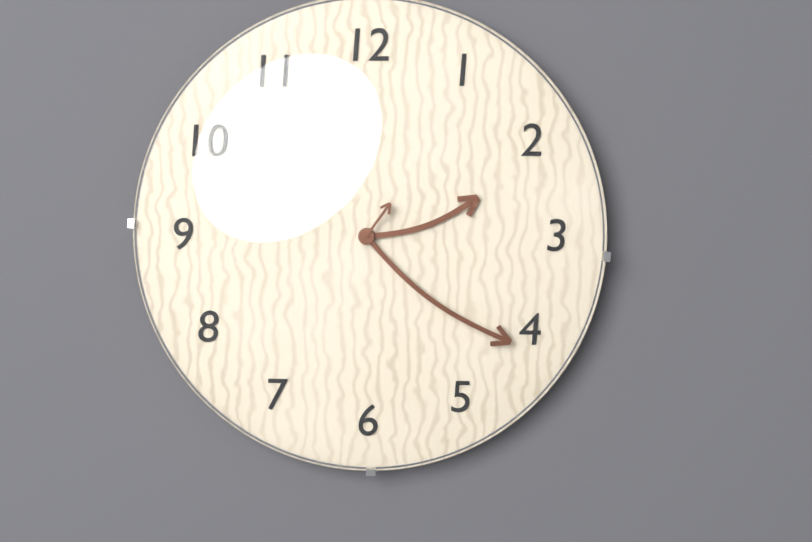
2:21:06
